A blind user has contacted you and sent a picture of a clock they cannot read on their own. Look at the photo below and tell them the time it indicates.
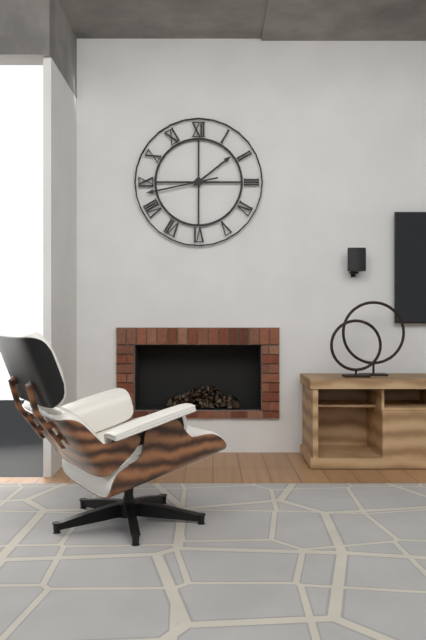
1:43
